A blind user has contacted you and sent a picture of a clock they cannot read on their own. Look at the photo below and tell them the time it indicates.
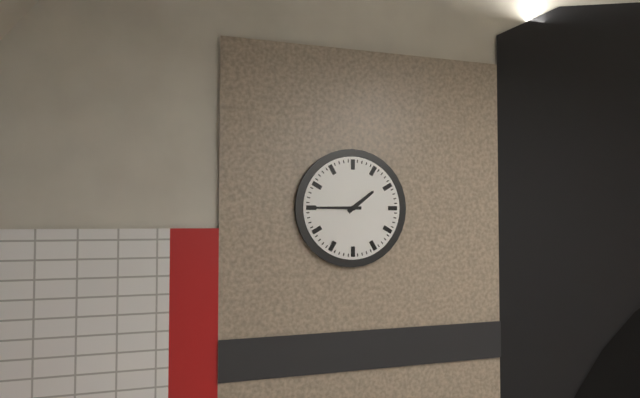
1:45
